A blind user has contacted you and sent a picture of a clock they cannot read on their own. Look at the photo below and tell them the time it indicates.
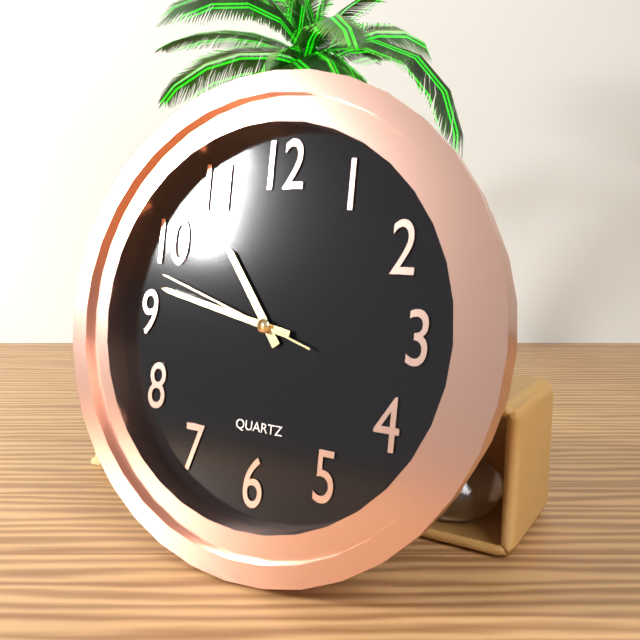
10:47:48
